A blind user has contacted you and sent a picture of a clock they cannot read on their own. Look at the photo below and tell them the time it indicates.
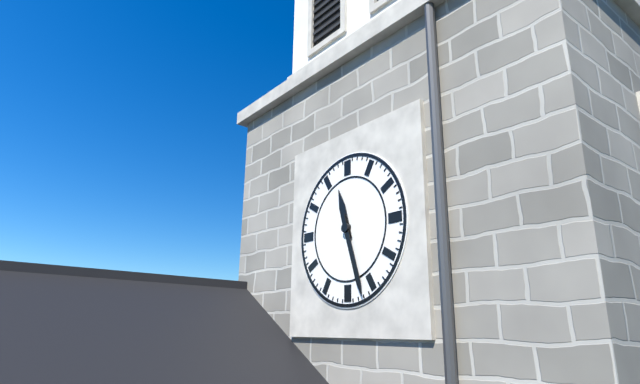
11:27
